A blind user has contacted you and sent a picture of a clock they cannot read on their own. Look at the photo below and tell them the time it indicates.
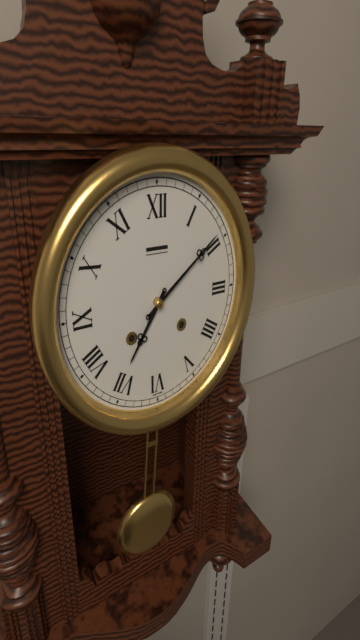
7:09
